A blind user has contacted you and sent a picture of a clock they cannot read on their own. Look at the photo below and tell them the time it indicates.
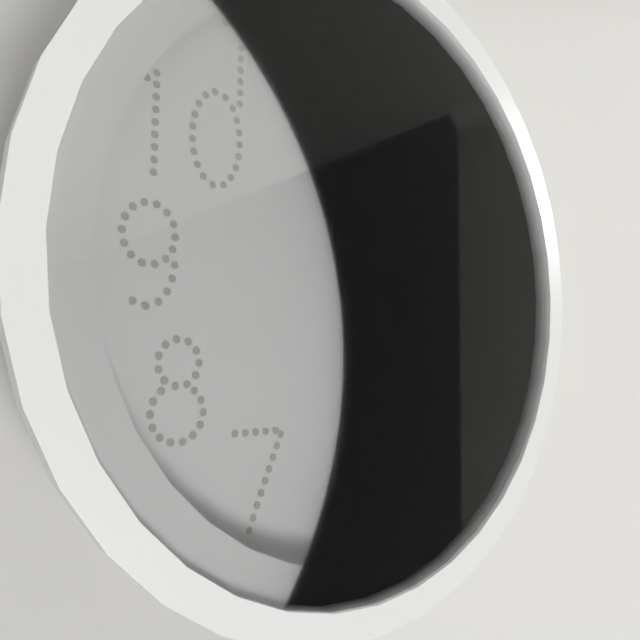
1:26
